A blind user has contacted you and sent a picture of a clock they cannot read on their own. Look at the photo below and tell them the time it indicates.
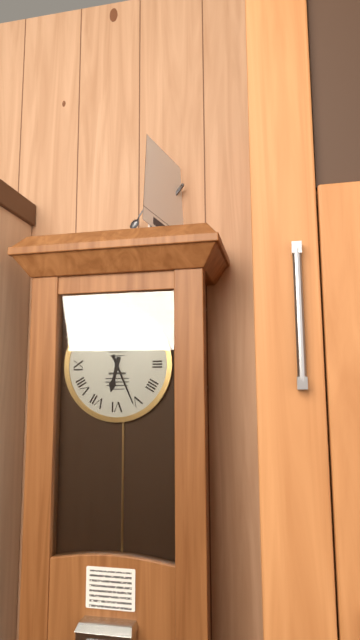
6:26
